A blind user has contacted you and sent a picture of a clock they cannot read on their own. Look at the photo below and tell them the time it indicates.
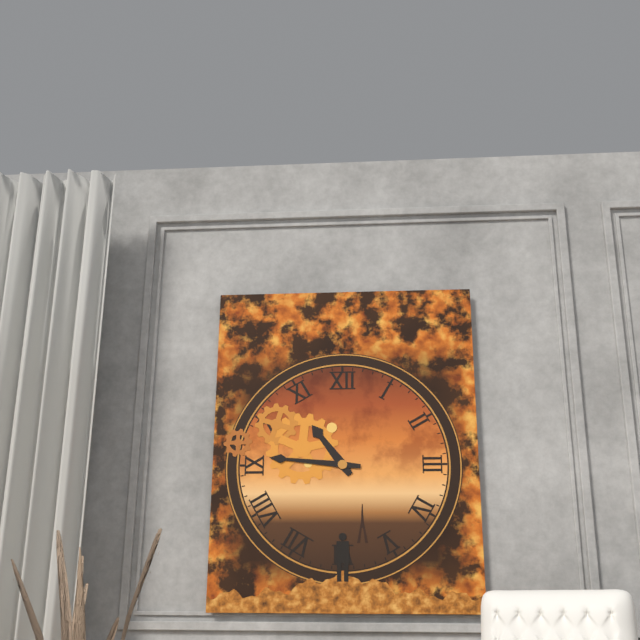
10:46
